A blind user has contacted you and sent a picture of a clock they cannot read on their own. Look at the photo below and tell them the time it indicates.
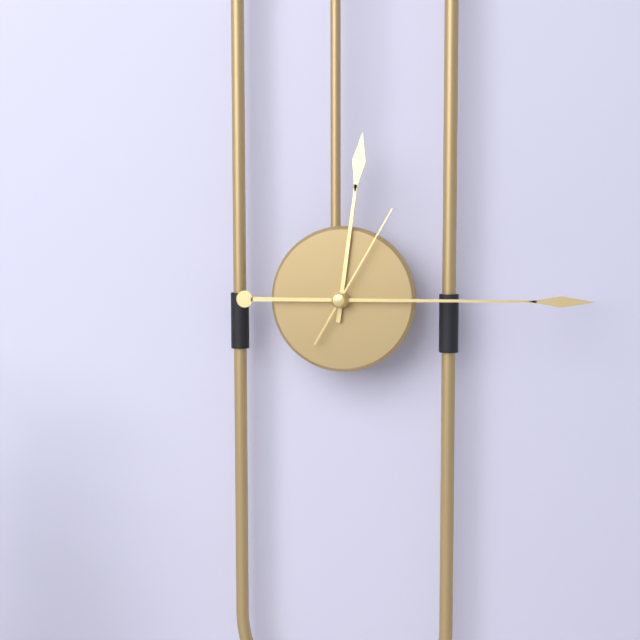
12:15:05
